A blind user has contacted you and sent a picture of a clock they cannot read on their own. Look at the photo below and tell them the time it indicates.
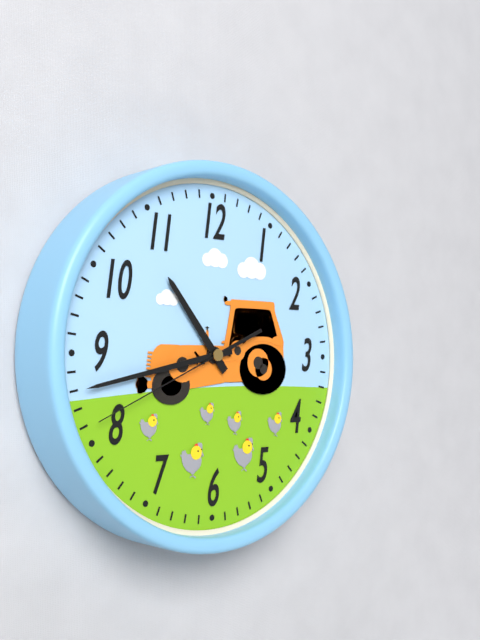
10:43:41
